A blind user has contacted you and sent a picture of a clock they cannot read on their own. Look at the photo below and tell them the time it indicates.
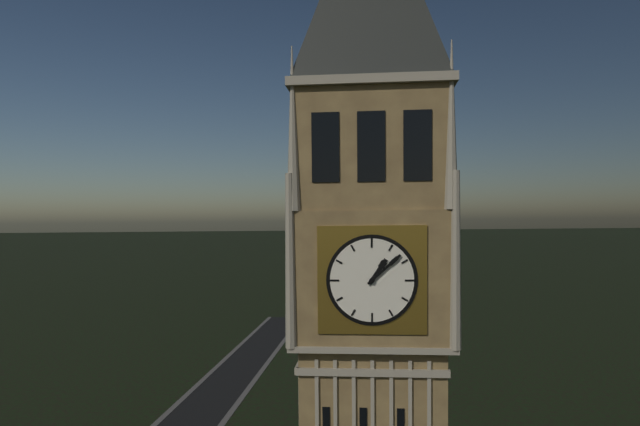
1:08
